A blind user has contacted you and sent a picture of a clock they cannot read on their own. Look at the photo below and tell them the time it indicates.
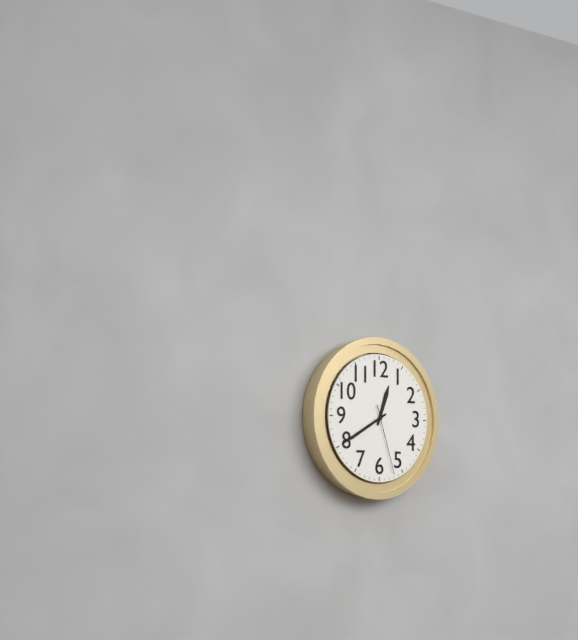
12:40:27
